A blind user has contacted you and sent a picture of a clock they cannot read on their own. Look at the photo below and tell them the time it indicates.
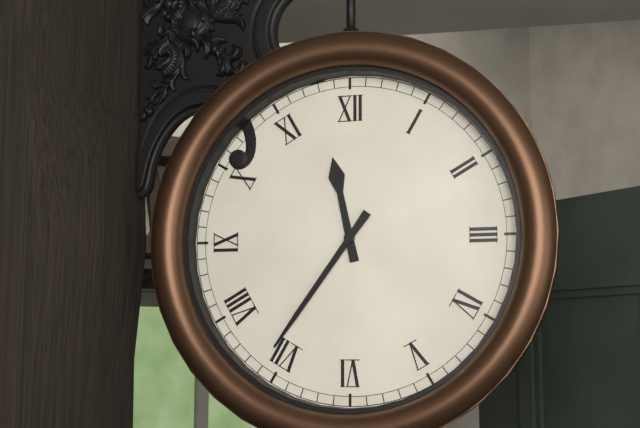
11:36
